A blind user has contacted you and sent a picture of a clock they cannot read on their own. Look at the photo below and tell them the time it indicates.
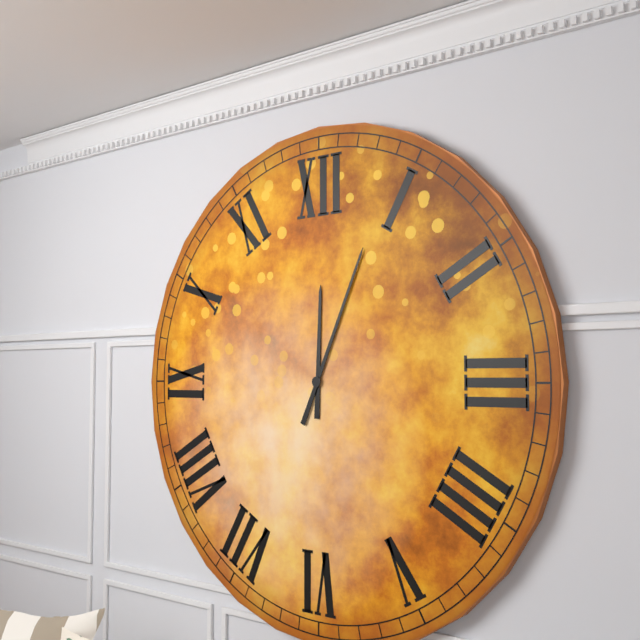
12:04
